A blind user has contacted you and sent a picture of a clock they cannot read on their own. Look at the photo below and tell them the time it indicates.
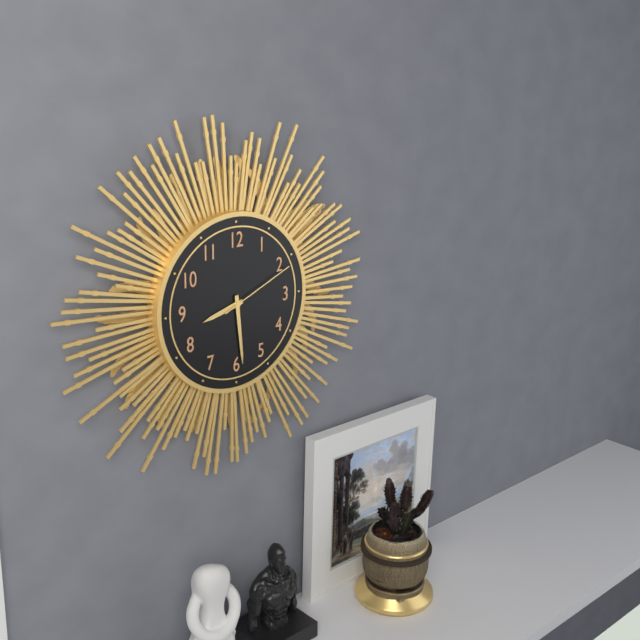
8:29:11
